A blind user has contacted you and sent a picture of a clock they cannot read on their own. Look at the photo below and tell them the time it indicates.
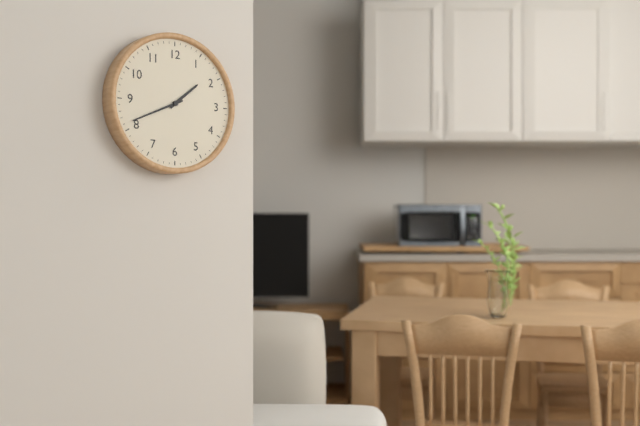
1:41
